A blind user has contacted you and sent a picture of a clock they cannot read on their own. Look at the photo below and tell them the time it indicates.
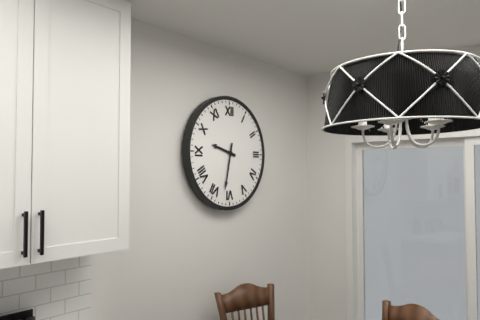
9:32
